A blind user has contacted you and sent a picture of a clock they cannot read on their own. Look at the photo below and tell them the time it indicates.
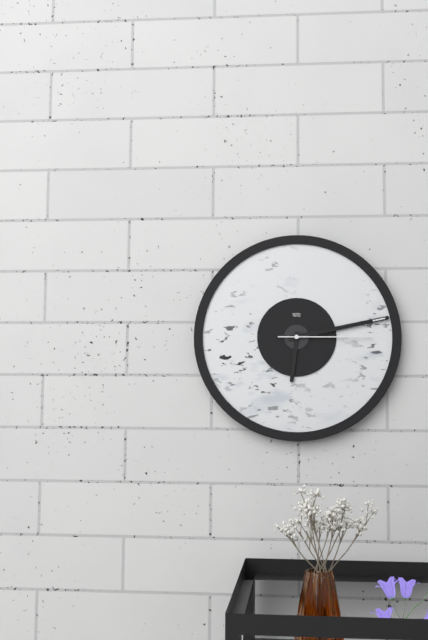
6:13:15
